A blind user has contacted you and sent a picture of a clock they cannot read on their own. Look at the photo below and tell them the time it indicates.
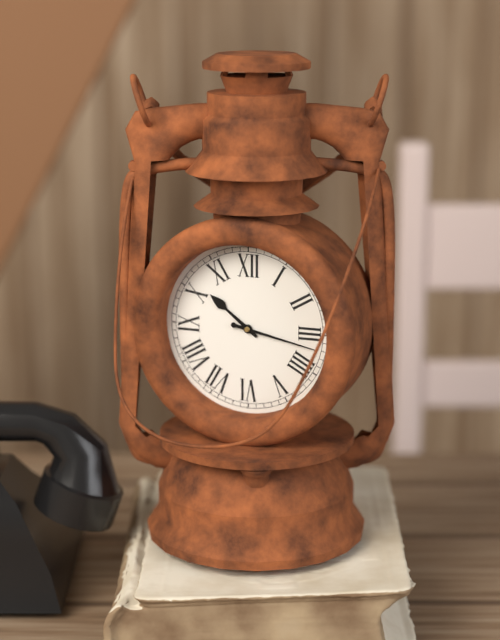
10:17
